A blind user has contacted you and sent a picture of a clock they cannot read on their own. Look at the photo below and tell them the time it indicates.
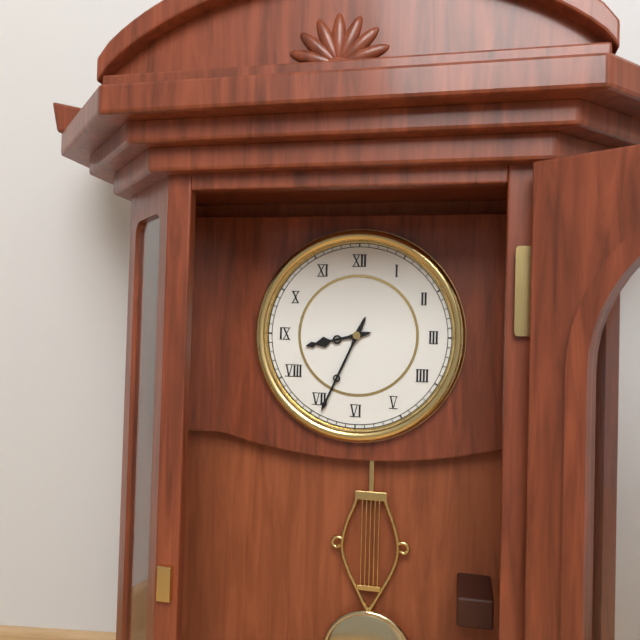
8:34
